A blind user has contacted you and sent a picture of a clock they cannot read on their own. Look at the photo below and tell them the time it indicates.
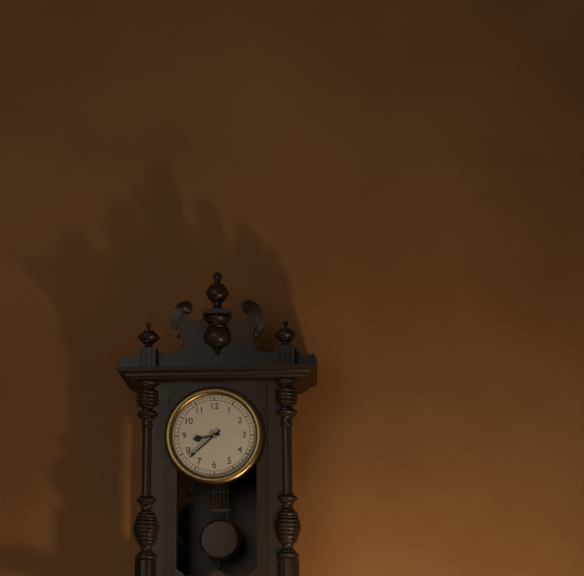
8:38
